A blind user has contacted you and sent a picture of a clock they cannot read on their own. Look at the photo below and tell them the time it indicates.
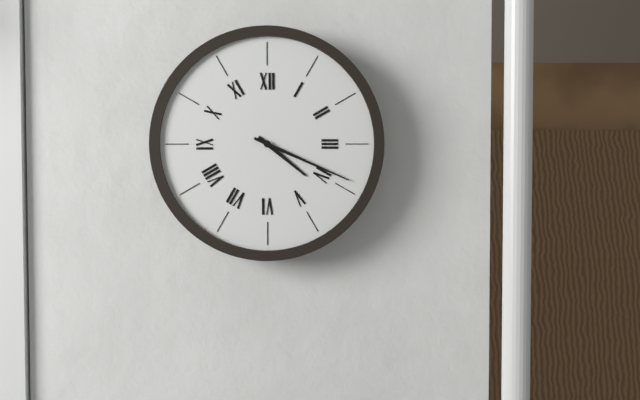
4:19
